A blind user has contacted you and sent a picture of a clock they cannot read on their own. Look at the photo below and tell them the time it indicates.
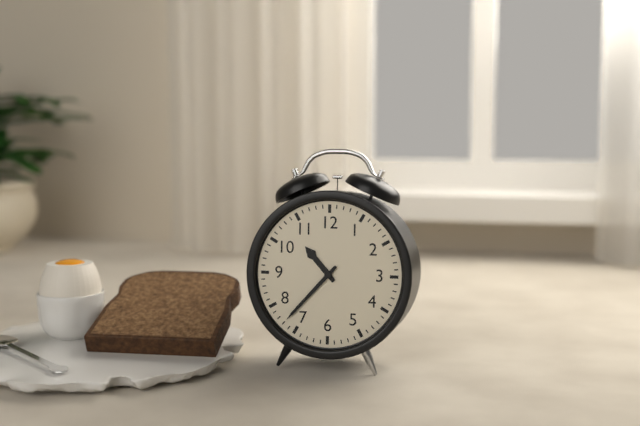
10:37
